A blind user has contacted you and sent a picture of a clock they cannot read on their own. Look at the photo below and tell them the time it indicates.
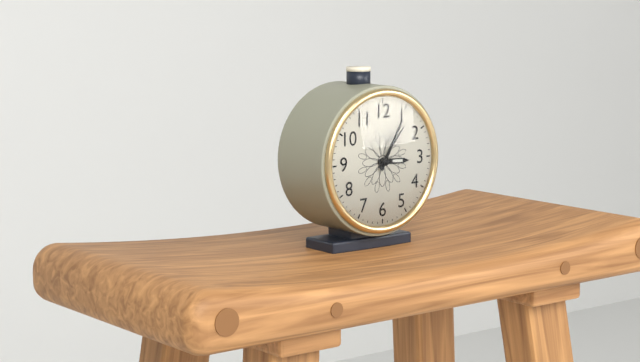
3:05
